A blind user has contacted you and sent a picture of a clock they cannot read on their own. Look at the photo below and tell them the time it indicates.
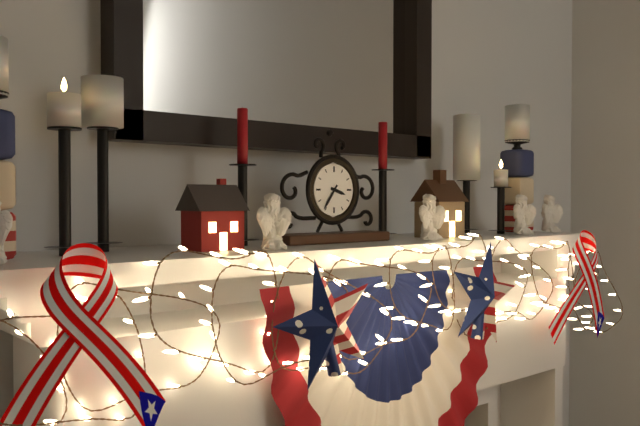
3:36
